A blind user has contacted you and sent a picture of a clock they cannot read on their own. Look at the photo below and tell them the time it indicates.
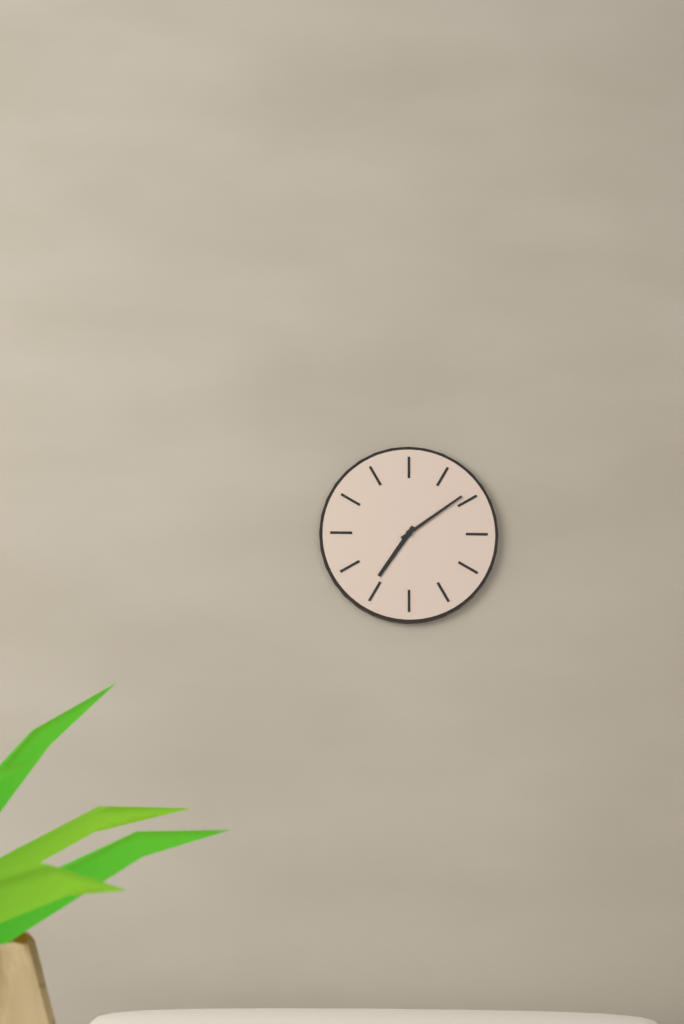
7:09
